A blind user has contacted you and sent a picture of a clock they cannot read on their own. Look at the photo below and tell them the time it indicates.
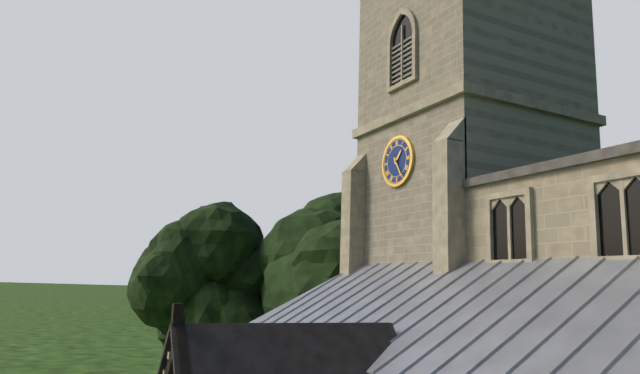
1:25
